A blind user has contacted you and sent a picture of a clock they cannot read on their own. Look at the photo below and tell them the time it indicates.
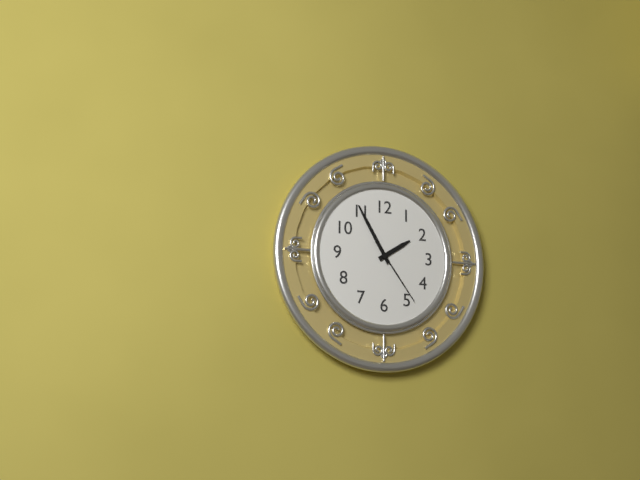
1:55:24
